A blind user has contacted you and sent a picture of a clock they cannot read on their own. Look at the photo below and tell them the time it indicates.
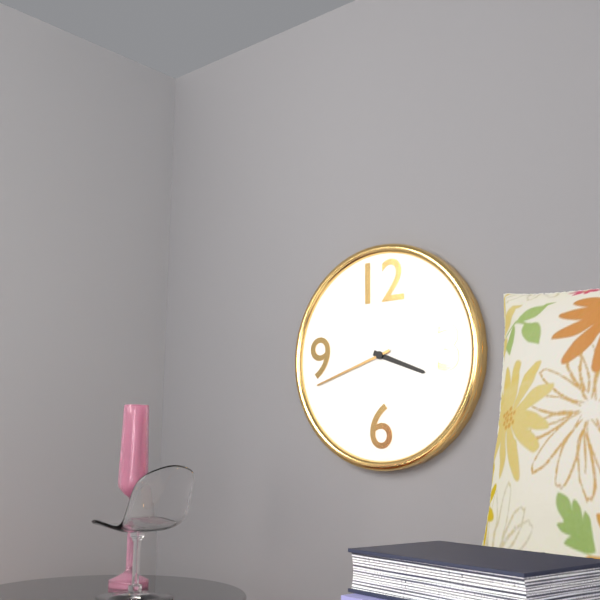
3:42
